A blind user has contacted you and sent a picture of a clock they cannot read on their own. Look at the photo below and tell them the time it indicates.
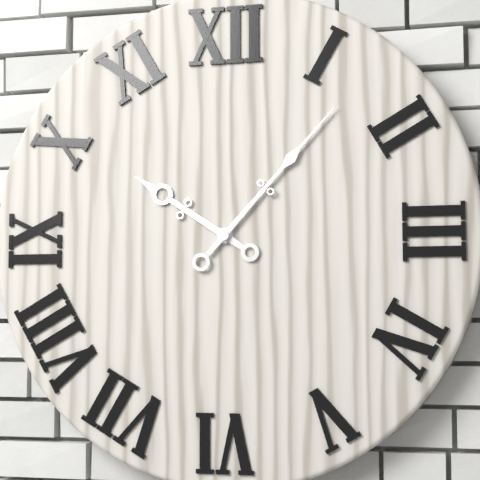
10:07
